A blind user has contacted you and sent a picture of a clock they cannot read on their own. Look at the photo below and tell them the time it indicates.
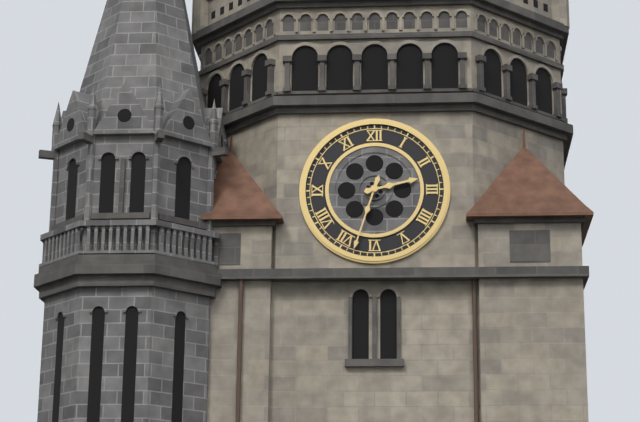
2:33
